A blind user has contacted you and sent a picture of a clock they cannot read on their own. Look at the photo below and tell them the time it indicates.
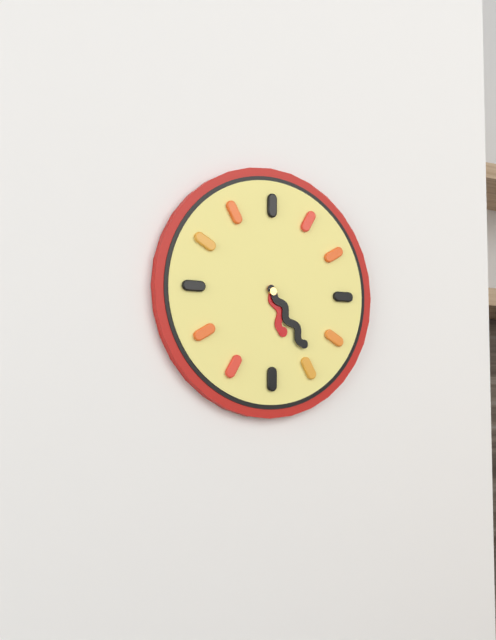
5:24
